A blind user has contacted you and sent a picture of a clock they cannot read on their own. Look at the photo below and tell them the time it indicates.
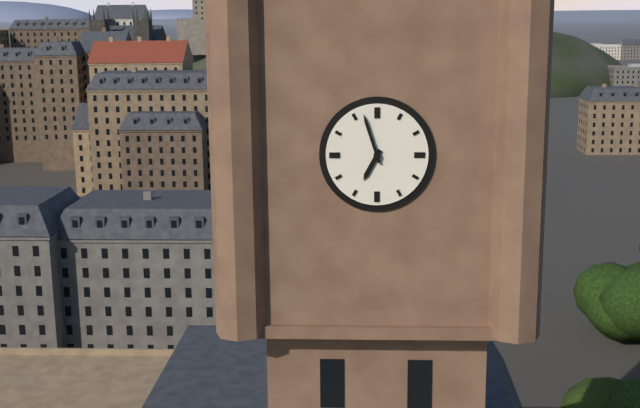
6:57
